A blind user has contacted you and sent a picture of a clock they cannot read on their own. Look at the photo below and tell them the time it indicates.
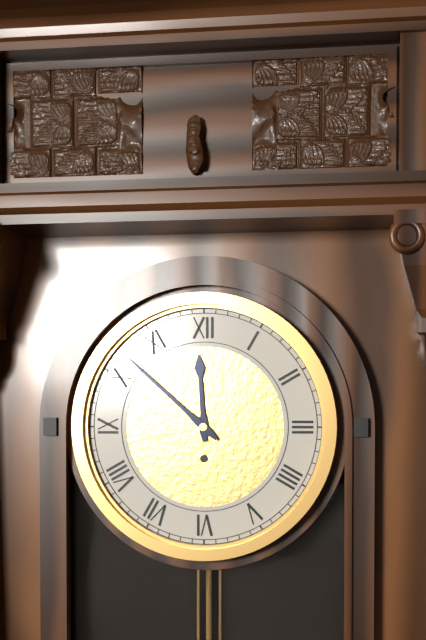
11:52
